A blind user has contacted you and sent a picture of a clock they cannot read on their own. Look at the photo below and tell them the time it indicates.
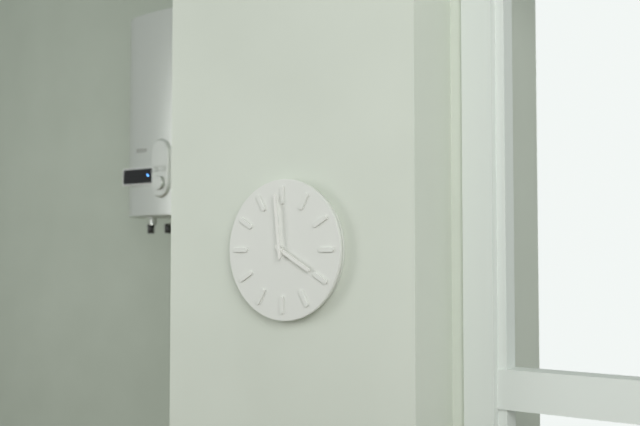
3:59
